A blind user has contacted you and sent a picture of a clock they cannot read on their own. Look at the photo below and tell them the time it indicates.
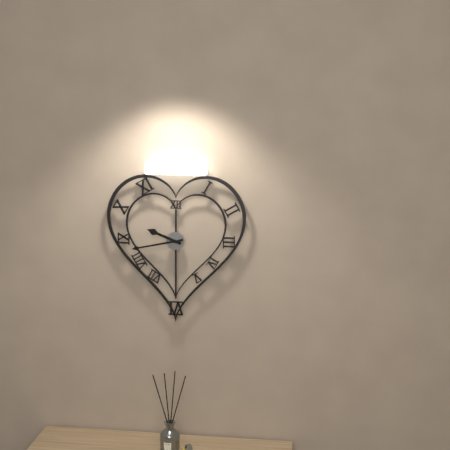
9:43
